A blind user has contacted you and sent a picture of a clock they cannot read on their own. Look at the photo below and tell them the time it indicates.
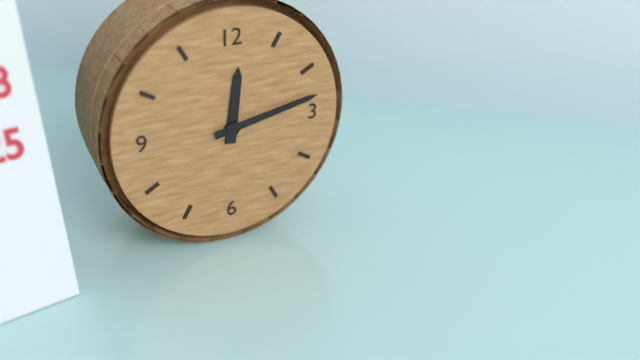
12:13
